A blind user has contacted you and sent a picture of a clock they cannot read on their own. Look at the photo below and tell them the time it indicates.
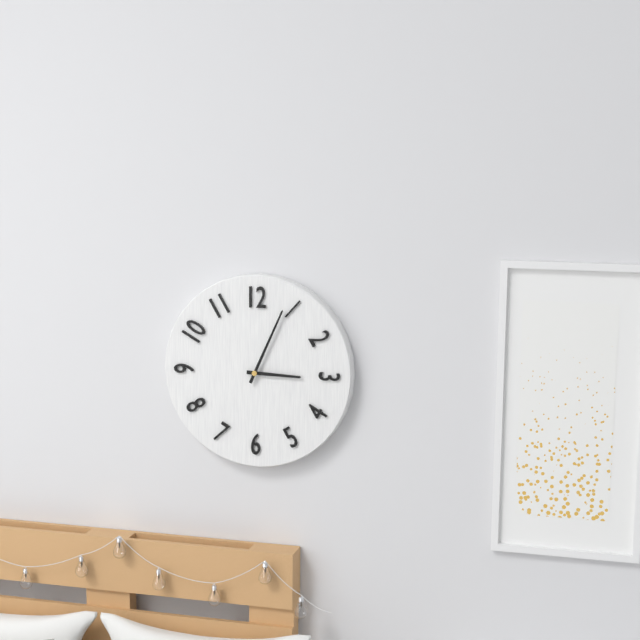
3:04
